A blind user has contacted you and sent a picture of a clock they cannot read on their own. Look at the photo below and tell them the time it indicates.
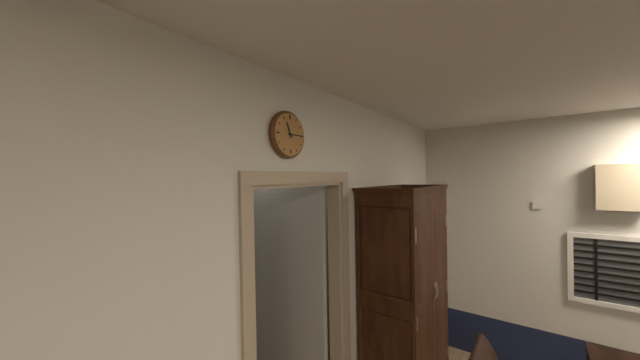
11:15
